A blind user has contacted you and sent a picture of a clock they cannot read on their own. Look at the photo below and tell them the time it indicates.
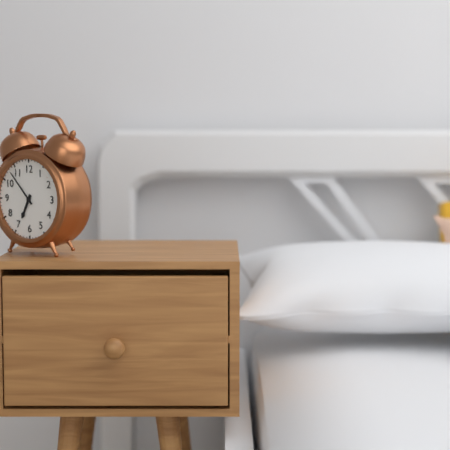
6:53
